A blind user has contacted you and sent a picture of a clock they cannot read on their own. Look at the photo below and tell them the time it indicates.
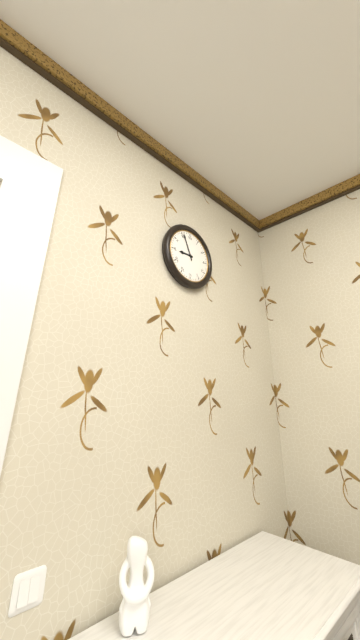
8:56
